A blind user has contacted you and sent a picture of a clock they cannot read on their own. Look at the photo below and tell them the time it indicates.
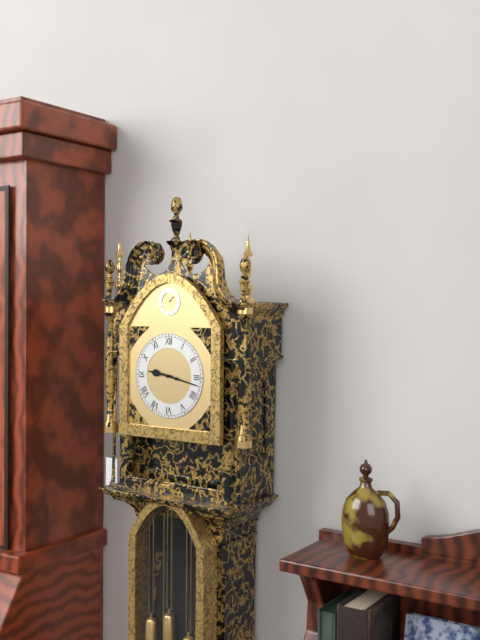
9:17
